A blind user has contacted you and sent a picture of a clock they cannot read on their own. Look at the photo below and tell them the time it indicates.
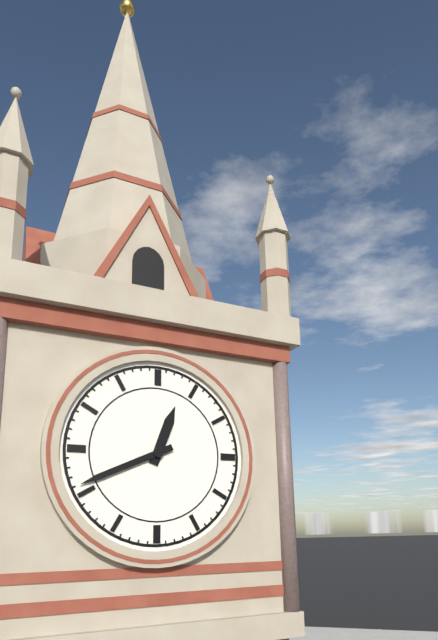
12:41
